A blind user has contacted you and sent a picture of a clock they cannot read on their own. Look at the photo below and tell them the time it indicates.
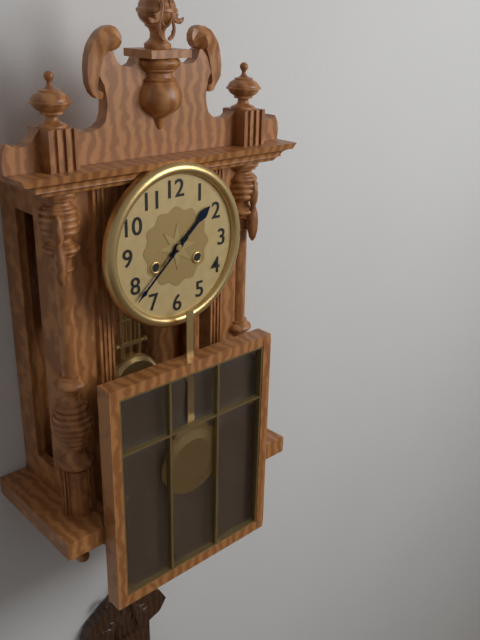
1:38
